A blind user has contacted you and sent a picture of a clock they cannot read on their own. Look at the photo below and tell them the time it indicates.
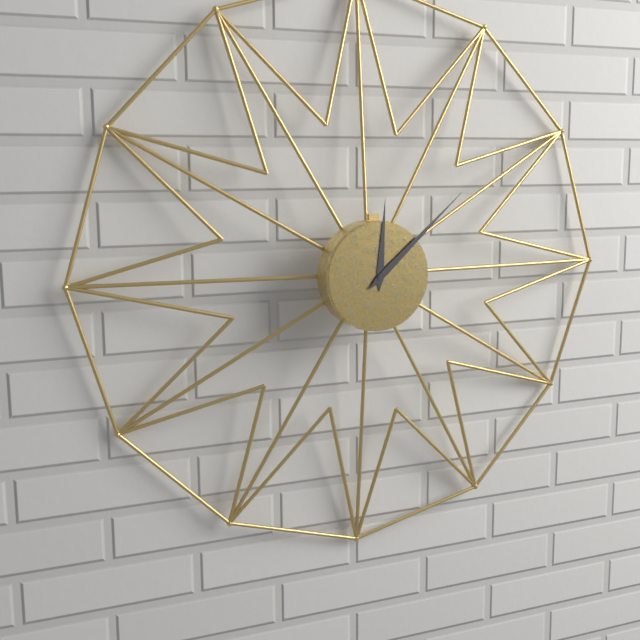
12:08
